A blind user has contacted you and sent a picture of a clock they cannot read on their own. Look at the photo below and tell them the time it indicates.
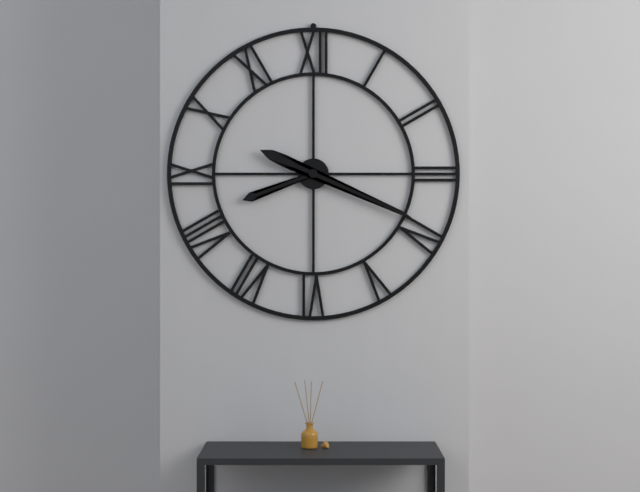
8:19
